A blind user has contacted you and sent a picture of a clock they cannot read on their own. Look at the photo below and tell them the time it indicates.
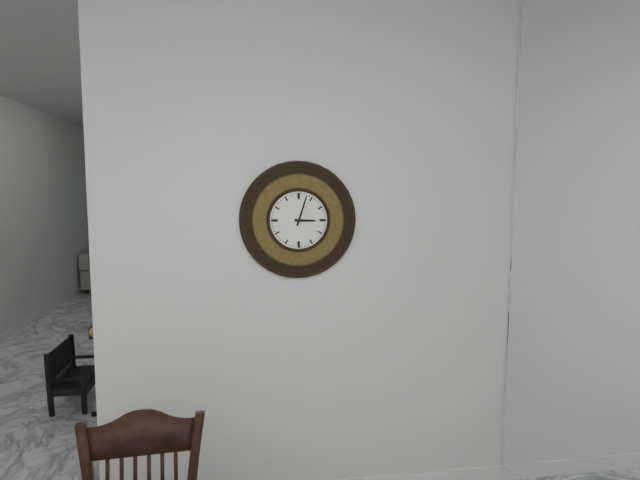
3:03
